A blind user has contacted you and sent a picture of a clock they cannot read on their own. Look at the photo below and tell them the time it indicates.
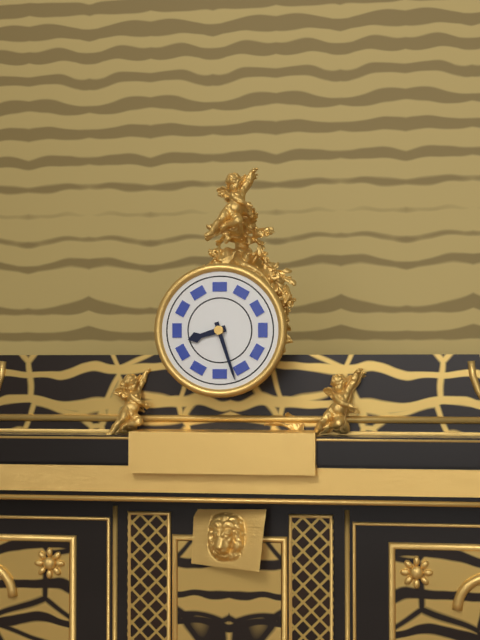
8:27
